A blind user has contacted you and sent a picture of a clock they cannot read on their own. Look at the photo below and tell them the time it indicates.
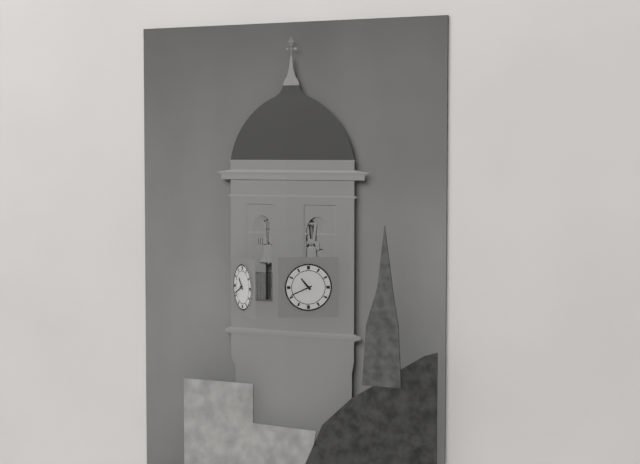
10:41
